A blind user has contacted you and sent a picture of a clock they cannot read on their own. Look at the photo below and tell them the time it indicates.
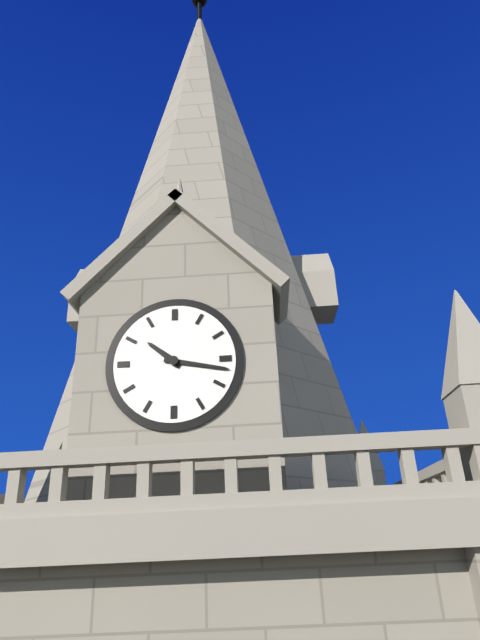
10:17
